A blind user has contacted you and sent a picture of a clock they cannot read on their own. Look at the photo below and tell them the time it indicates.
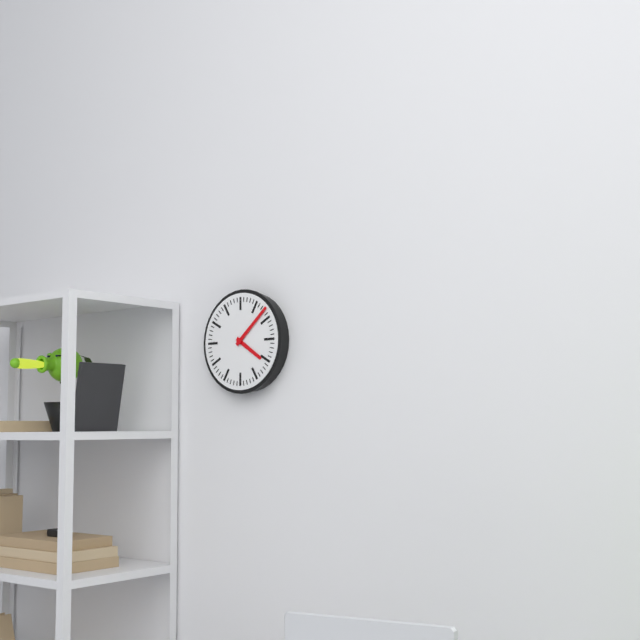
4:08
